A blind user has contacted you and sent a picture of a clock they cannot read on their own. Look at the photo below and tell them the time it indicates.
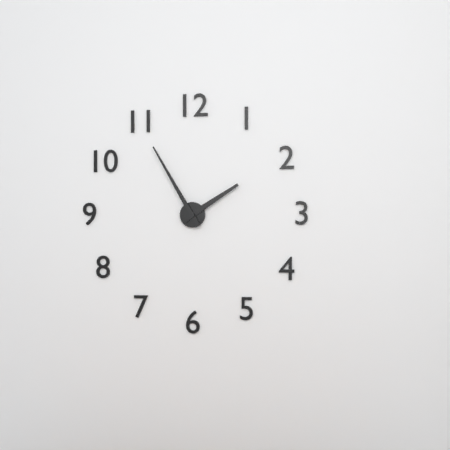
1:55
